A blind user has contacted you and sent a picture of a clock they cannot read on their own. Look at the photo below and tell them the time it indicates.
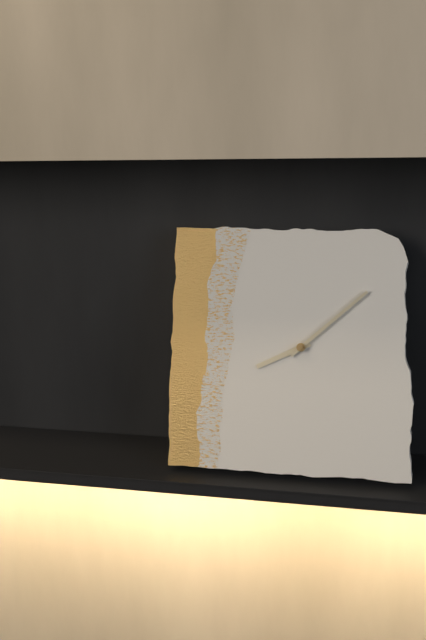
8:08
